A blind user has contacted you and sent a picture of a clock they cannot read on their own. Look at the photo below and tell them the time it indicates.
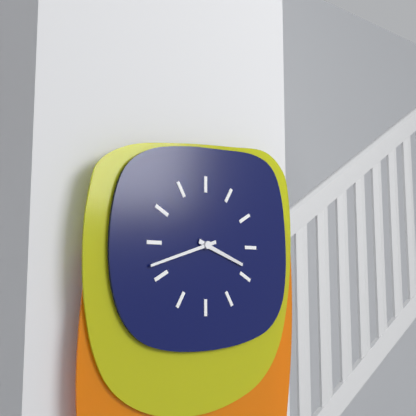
3:42
